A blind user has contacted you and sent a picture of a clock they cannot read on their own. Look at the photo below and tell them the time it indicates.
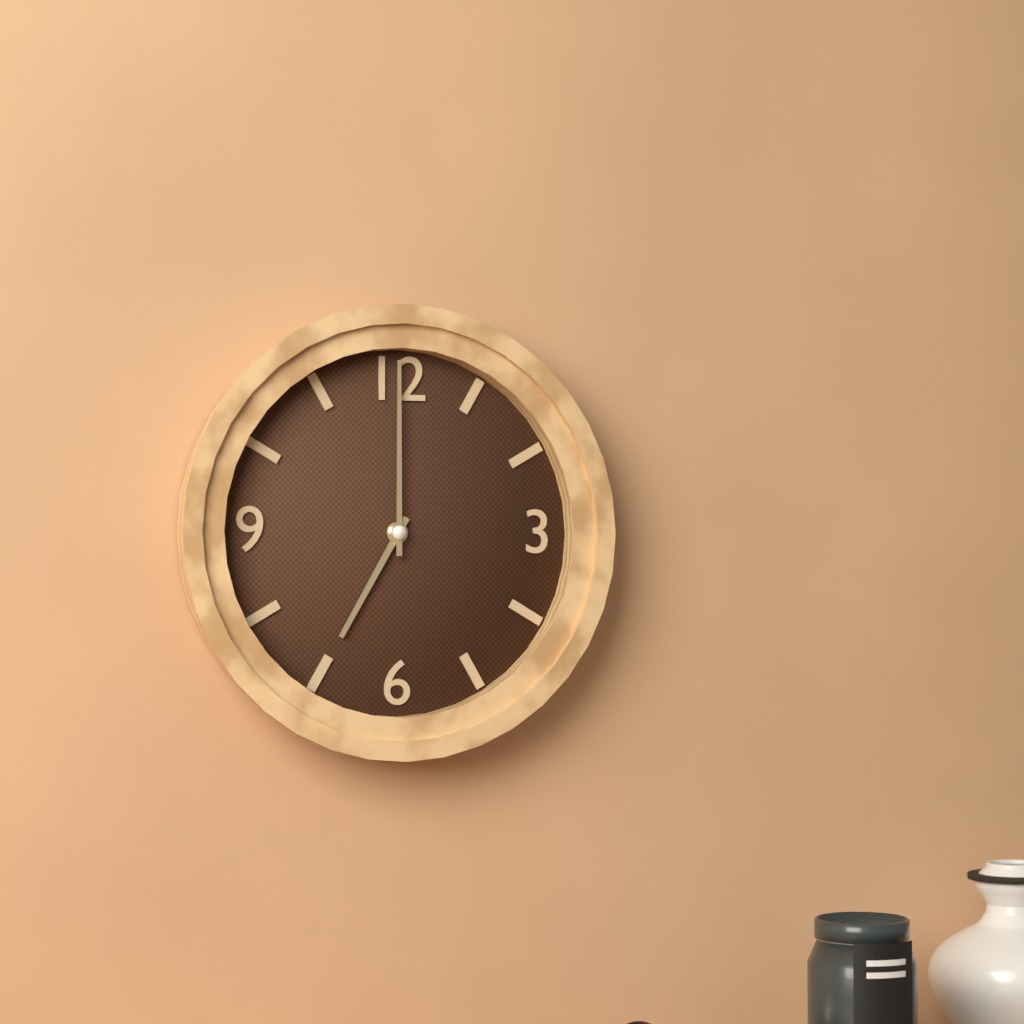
7:00
